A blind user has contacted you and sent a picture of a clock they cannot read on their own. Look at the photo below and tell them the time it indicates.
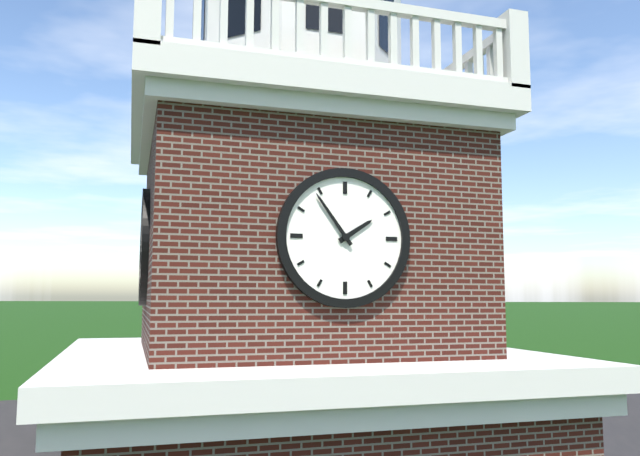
1:54
